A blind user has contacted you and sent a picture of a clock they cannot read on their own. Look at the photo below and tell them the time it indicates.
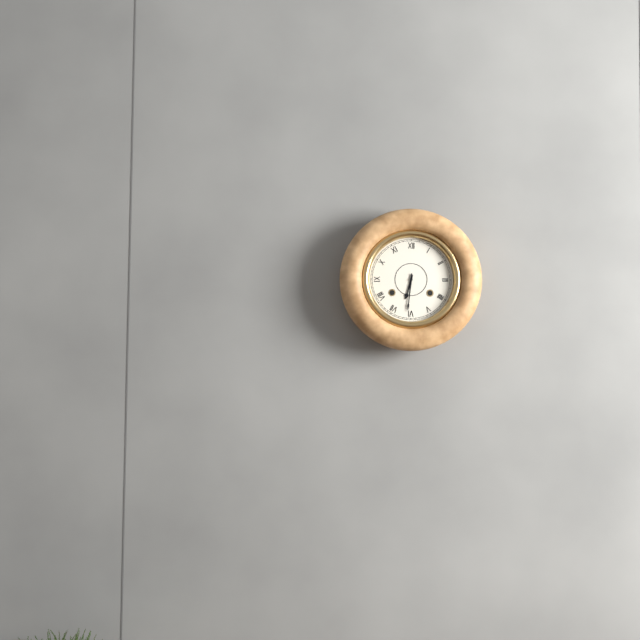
6:31
